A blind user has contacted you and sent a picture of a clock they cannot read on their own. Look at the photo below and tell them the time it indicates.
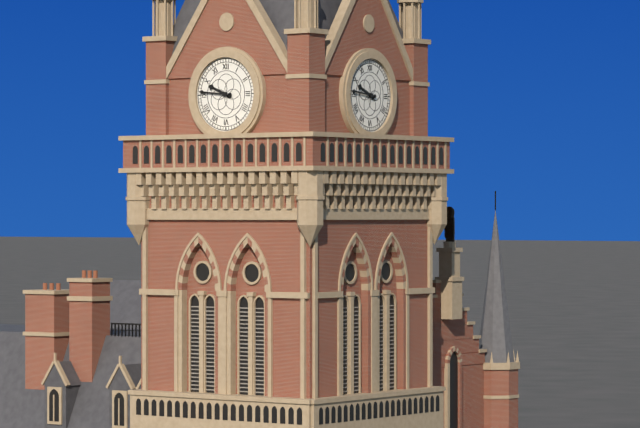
9:46
